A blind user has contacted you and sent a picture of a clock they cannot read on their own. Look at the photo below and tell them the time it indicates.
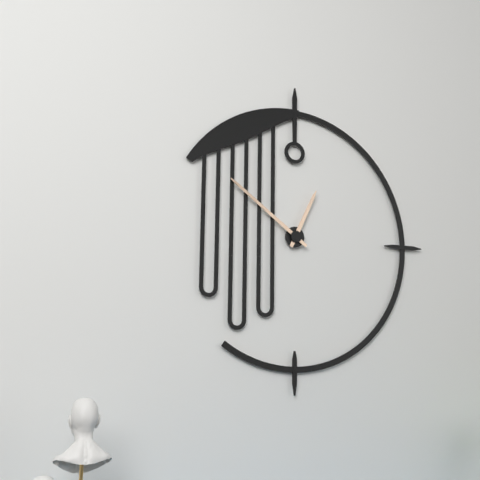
12:51
